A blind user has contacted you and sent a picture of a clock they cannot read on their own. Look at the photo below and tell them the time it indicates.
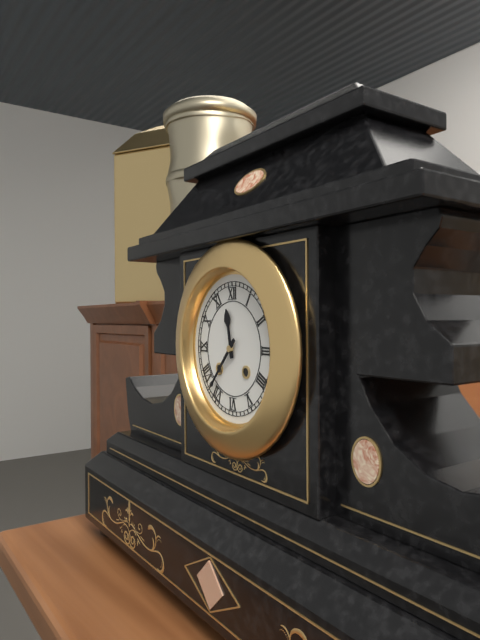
11:37
